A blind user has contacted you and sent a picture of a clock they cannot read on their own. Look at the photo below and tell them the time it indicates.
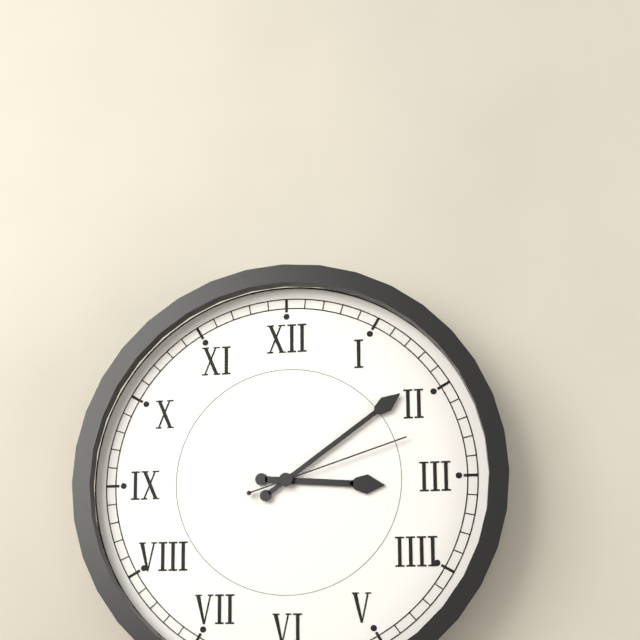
3:09:12
